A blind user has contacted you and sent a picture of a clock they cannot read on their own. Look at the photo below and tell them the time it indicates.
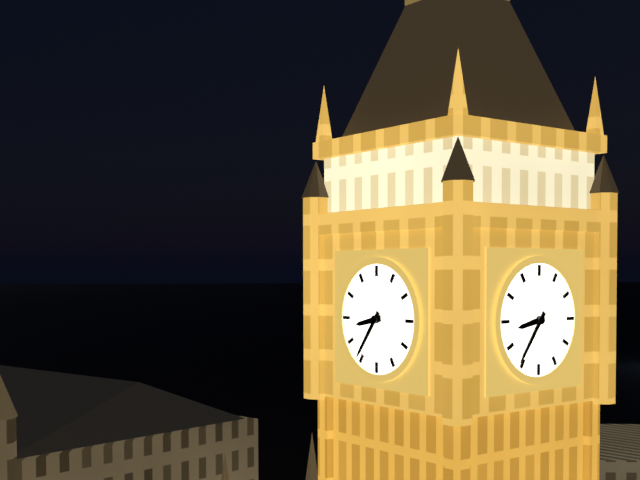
8:36
